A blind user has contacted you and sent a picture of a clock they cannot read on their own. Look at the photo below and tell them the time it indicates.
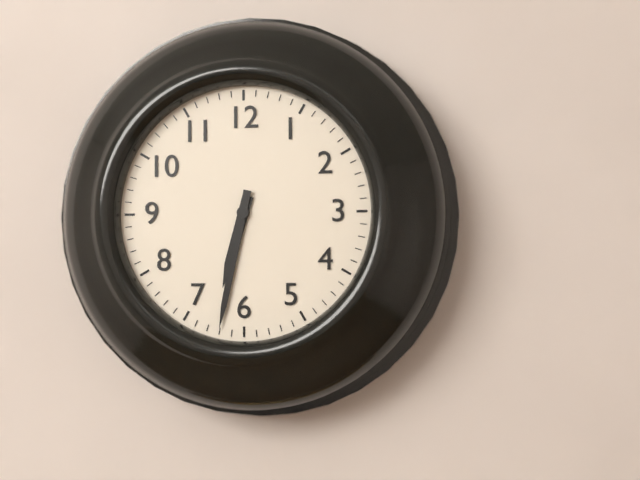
6:32
